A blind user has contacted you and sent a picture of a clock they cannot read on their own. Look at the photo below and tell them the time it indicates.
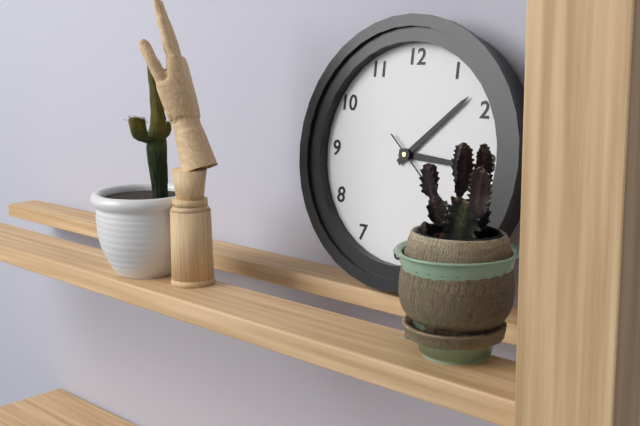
3:08
